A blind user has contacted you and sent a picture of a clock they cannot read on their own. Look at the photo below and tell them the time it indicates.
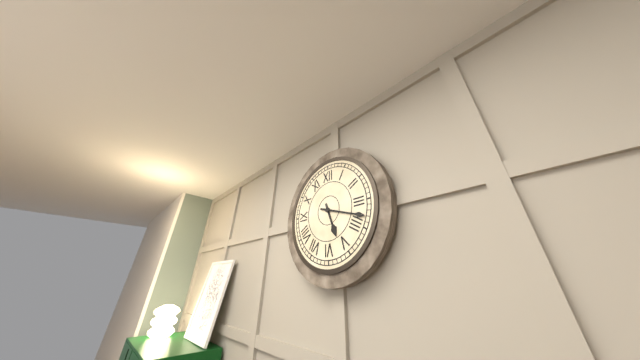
5:18
